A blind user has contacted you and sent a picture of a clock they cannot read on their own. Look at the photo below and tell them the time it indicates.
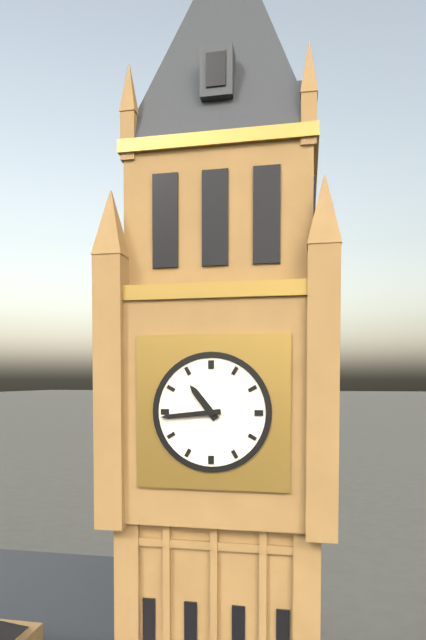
10:44
